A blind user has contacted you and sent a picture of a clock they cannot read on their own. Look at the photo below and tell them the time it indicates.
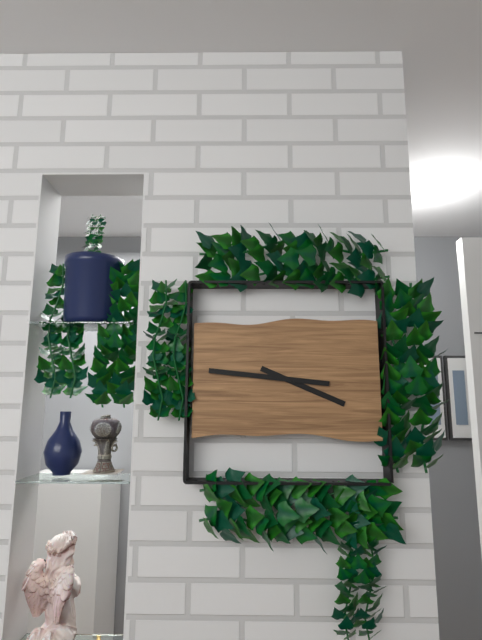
3:46
